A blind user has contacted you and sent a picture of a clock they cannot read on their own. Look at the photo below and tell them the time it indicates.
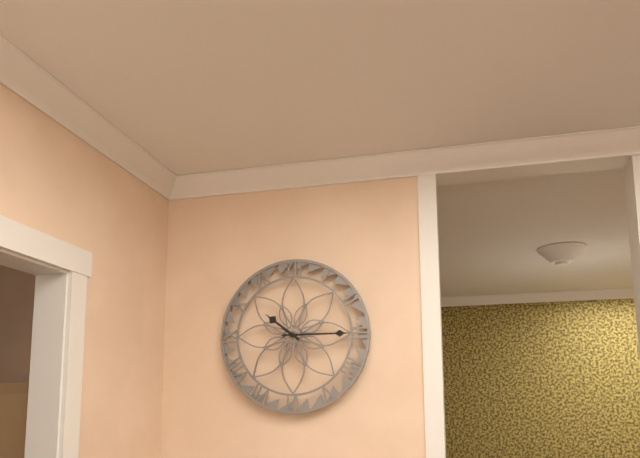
10:15
